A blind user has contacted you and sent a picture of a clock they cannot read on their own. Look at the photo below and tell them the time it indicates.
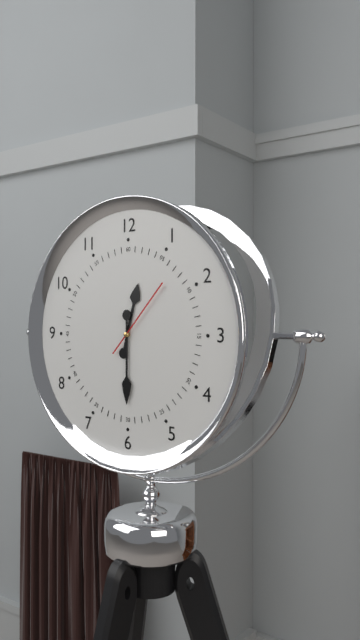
12:30:07
